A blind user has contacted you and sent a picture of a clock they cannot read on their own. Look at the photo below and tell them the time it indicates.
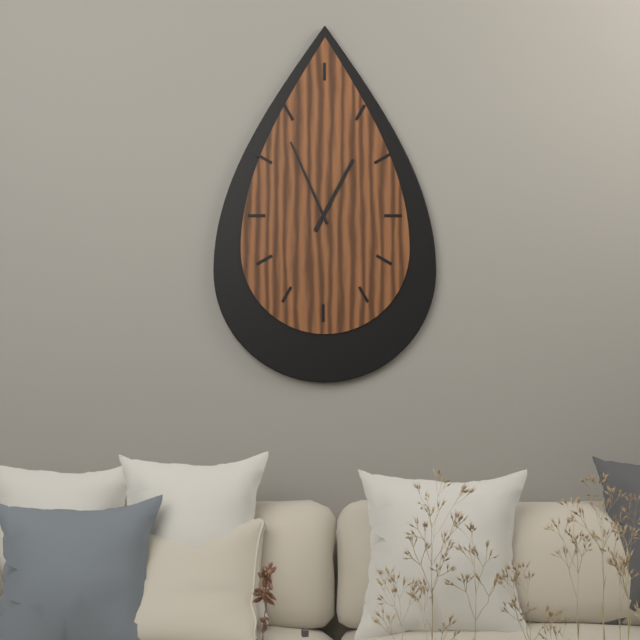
12:56
